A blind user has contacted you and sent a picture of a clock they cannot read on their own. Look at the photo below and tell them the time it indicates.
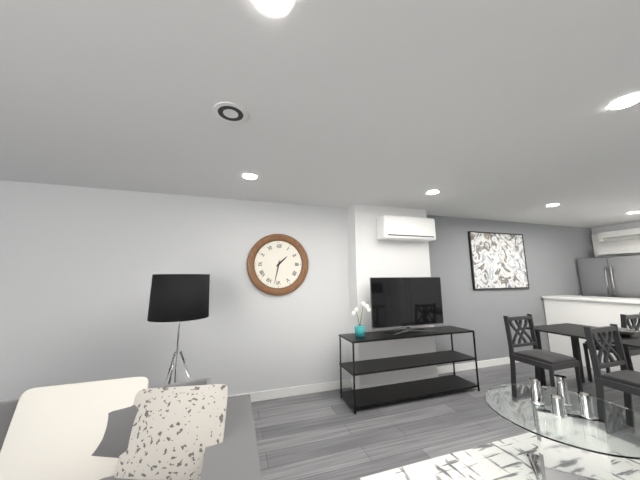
1:32
